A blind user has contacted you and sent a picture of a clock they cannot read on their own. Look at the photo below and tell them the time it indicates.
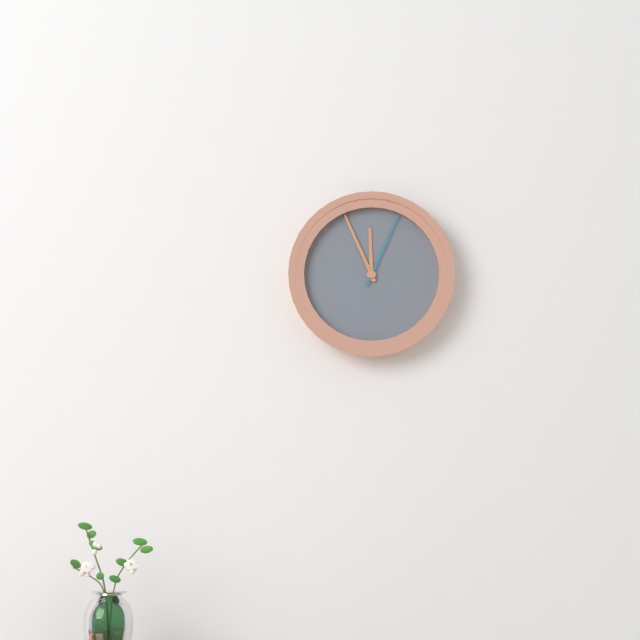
11:56:04
